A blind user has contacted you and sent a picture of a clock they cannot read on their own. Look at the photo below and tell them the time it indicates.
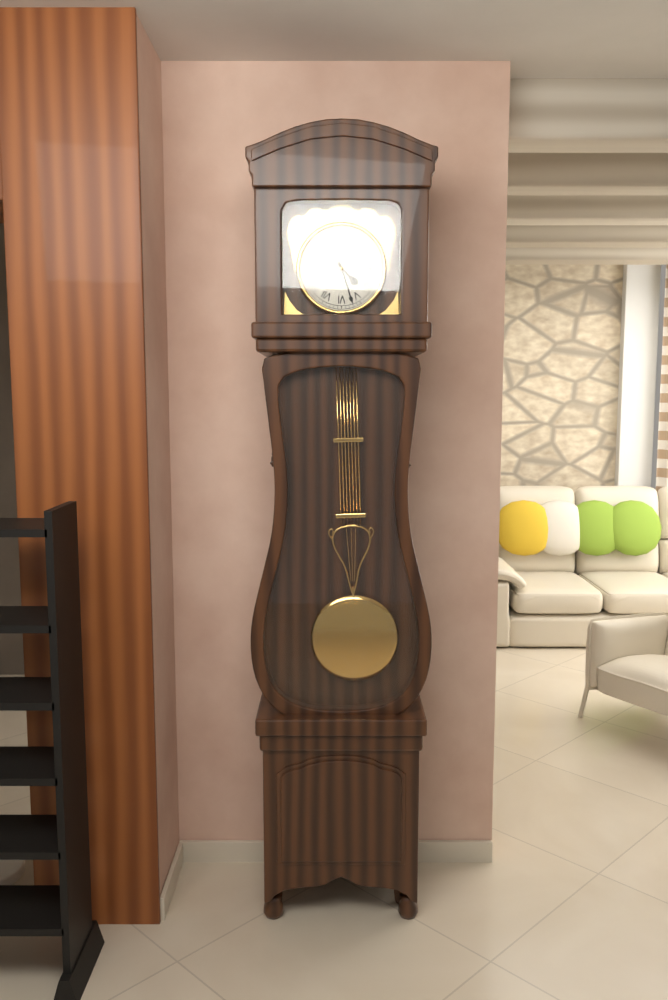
4:27
